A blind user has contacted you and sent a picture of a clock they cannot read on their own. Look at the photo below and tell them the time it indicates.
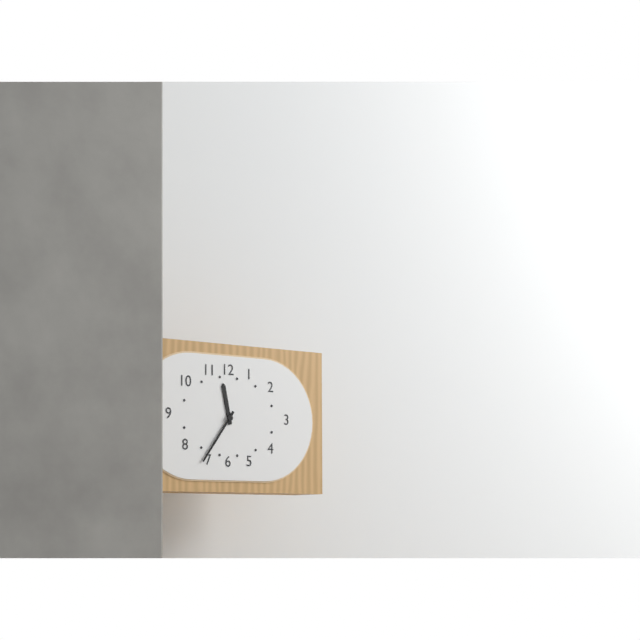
11:36
